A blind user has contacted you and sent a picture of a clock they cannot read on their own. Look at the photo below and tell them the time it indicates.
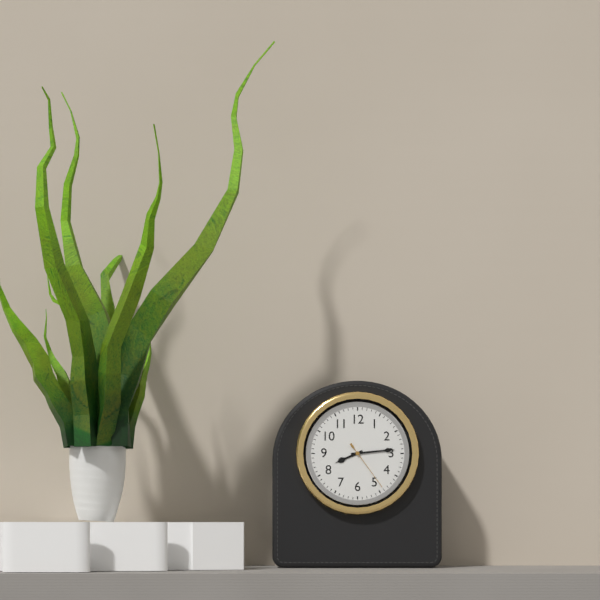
8:14:24
